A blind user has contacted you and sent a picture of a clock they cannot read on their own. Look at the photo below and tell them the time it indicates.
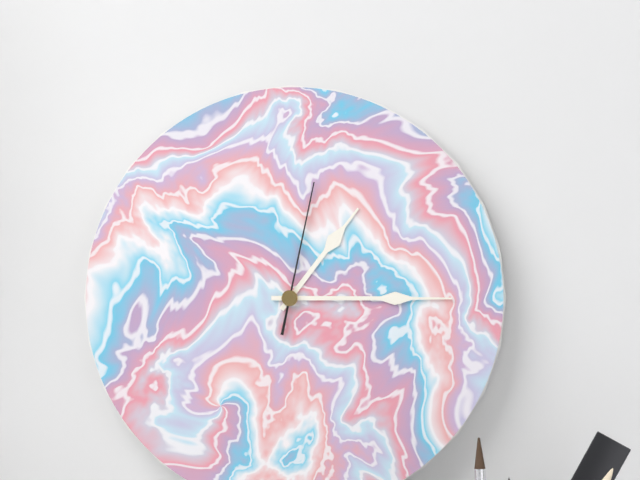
1:15:02
